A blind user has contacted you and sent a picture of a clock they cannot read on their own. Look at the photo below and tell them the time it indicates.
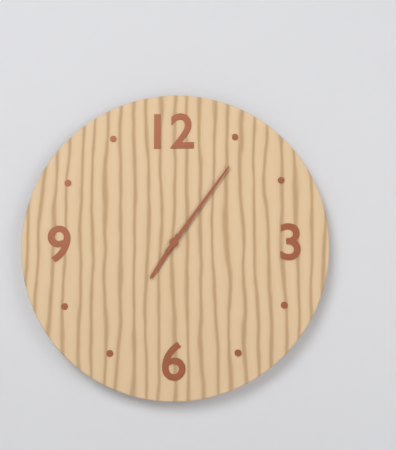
7:06
